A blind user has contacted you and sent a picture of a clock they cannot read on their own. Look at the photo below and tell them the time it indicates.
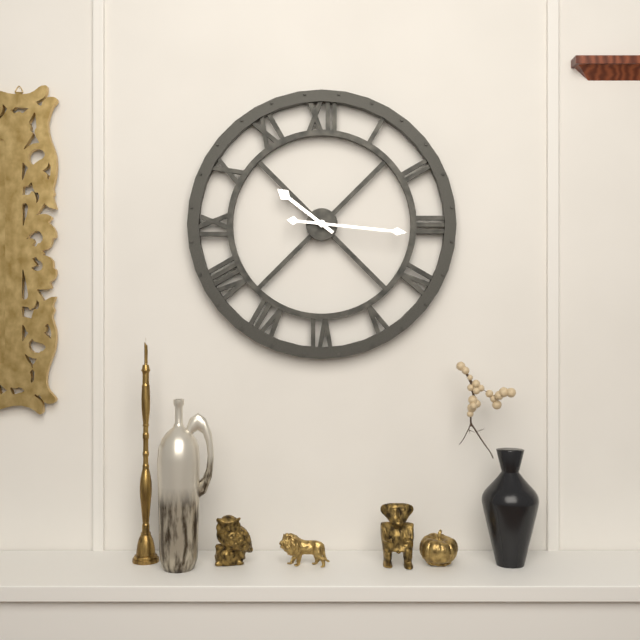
10:16
